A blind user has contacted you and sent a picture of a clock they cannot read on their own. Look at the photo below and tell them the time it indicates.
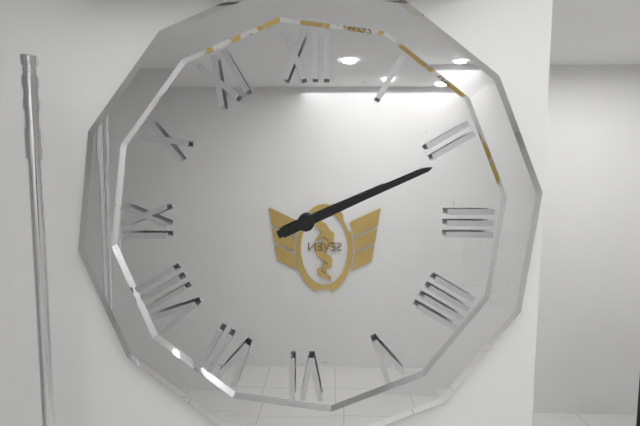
2:11
